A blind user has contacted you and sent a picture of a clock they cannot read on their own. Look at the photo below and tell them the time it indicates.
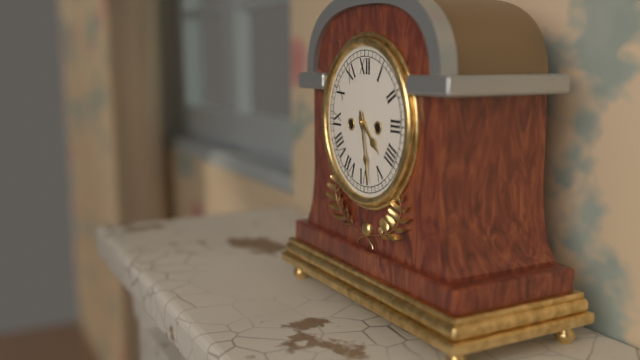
4:28
